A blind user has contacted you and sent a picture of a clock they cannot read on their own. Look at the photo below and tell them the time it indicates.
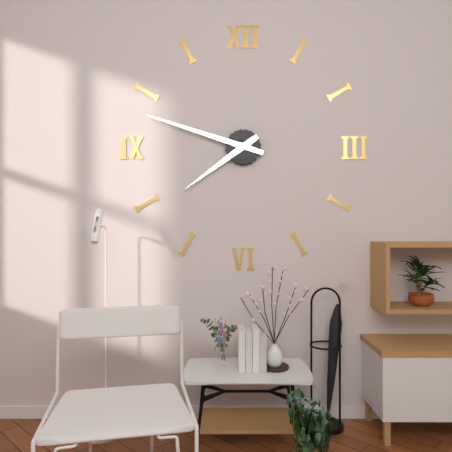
7:48
